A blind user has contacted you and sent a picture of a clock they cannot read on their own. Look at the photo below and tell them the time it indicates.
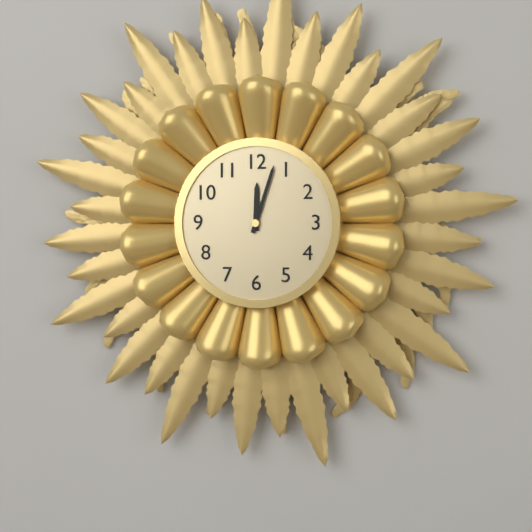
12:03
